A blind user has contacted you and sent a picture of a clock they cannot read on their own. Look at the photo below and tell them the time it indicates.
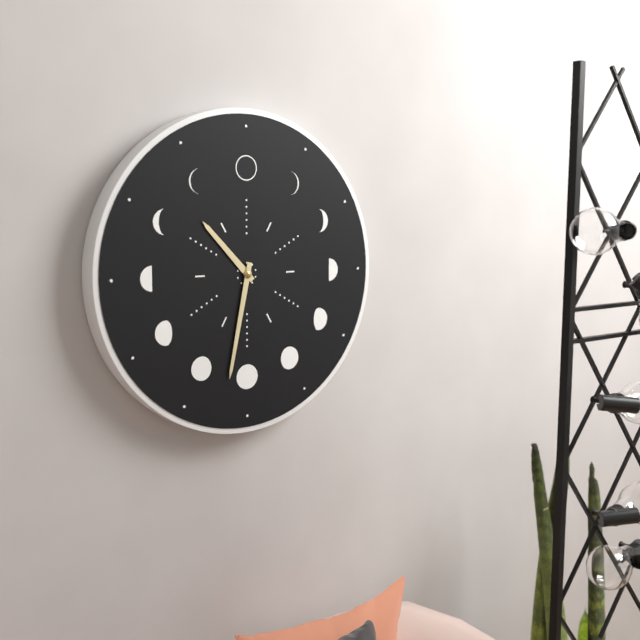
10:32
